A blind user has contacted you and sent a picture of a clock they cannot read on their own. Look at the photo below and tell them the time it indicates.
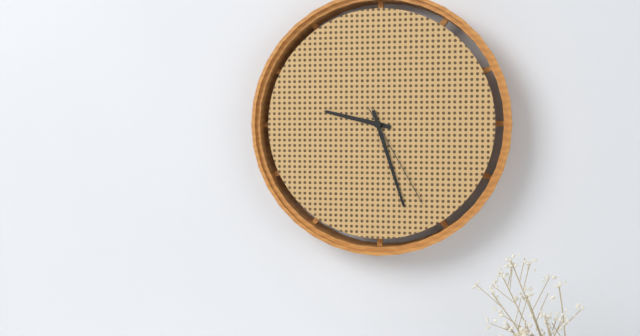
9:27:25
